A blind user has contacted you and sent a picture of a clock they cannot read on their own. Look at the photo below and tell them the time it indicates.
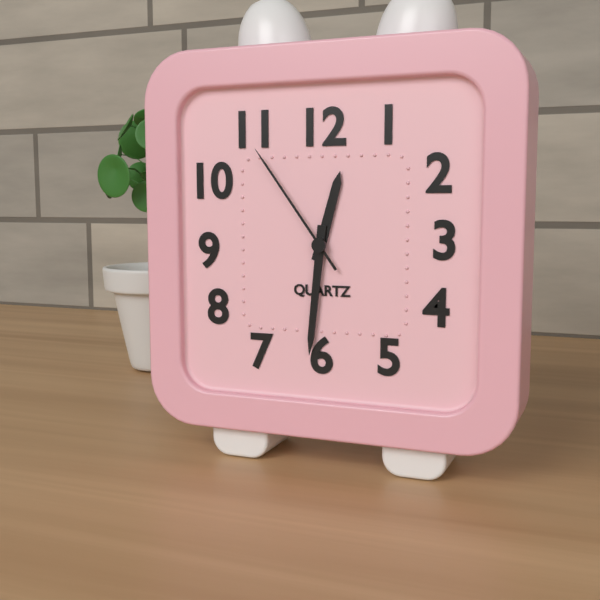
12:31:54
